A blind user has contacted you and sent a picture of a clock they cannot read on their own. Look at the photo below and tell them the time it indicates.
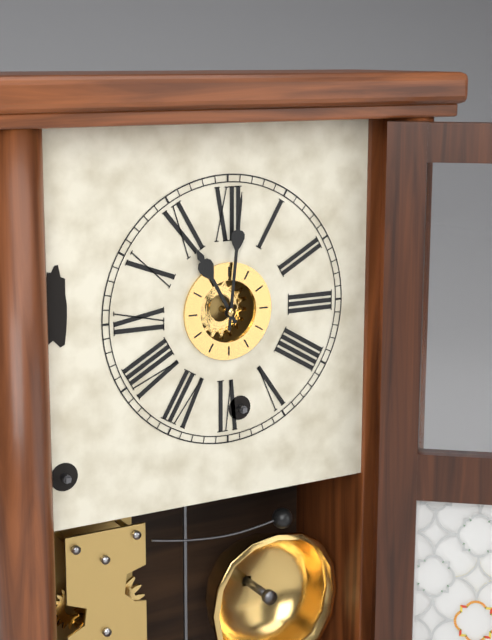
11:01
